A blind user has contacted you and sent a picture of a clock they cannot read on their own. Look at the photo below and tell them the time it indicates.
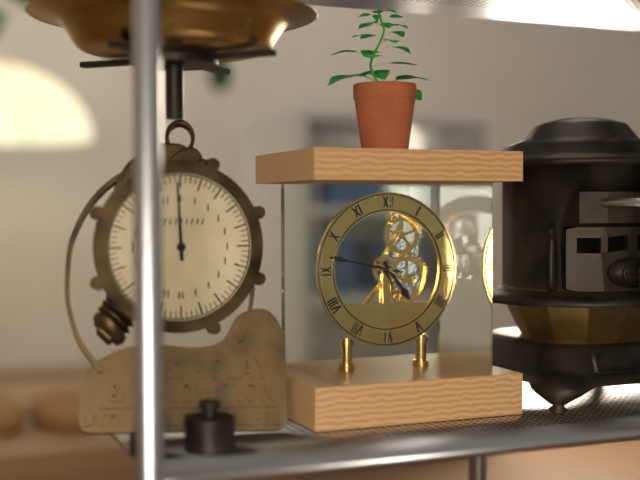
4:47
